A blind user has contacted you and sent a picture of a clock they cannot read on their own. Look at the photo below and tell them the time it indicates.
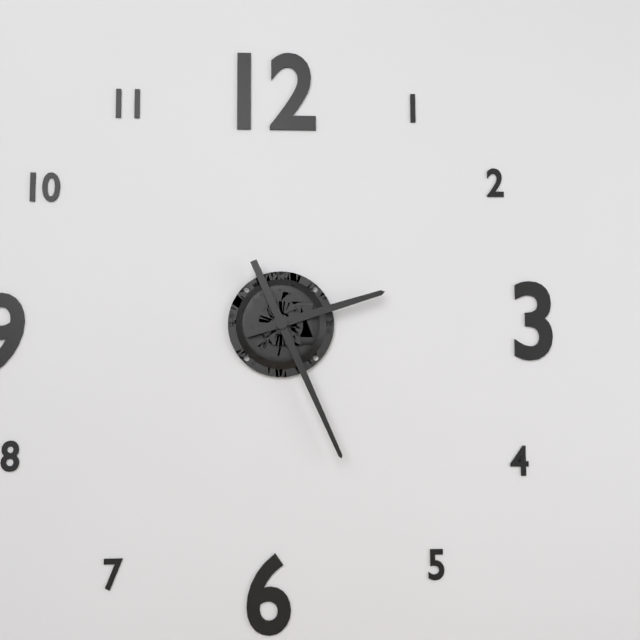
2:26
